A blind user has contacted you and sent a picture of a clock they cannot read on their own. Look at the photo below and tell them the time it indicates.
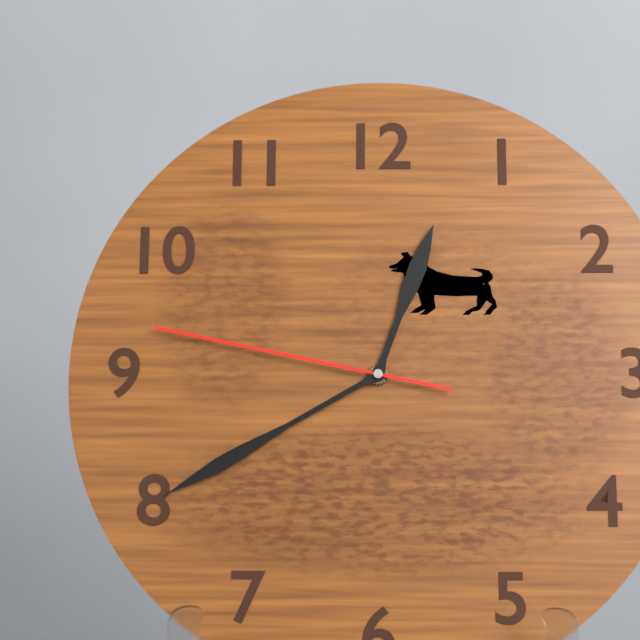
12:40:47
